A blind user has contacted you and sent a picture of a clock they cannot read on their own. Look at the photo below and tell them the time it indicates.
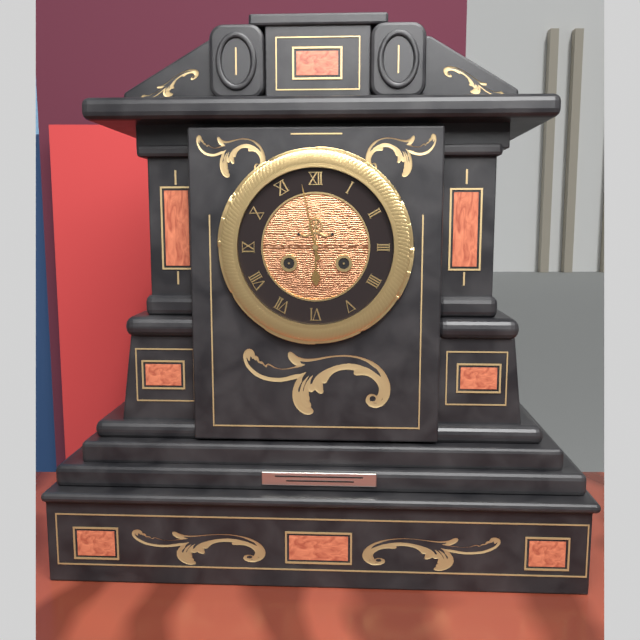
5:58
